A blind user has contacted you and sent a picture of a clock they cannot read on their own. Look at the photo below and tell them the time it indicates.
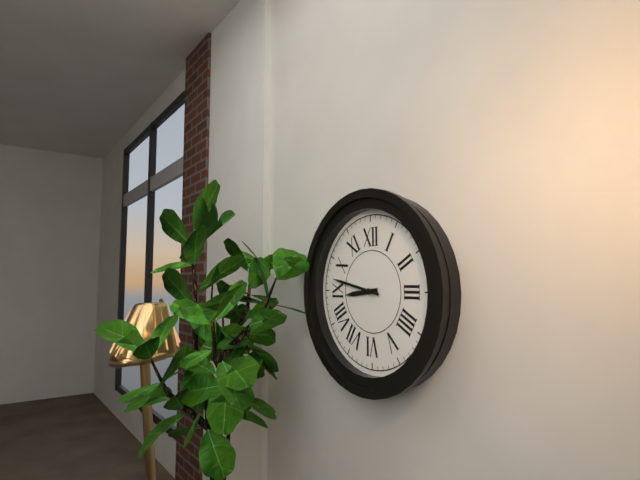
8:47
